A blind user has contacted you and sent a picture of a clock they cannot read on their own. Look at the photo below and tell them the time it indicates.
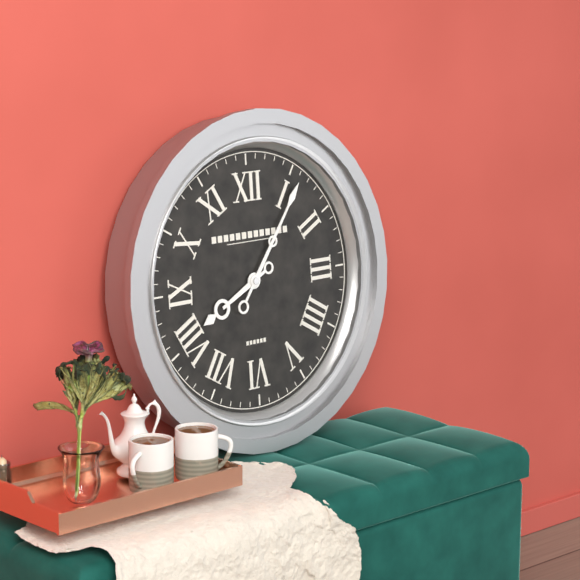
8:06
